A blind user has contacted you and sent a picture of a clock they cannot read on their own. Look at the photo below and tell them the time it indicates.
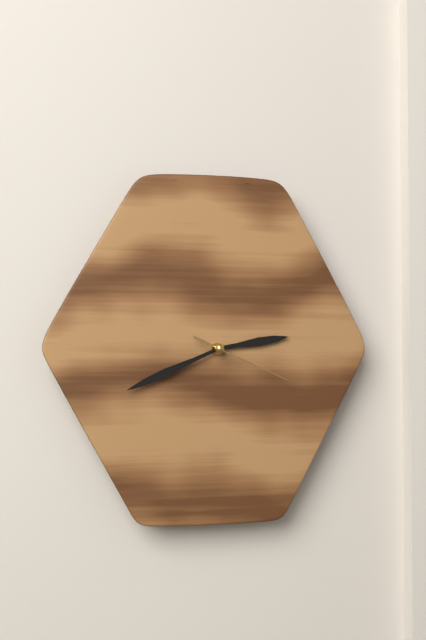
2:41:19
